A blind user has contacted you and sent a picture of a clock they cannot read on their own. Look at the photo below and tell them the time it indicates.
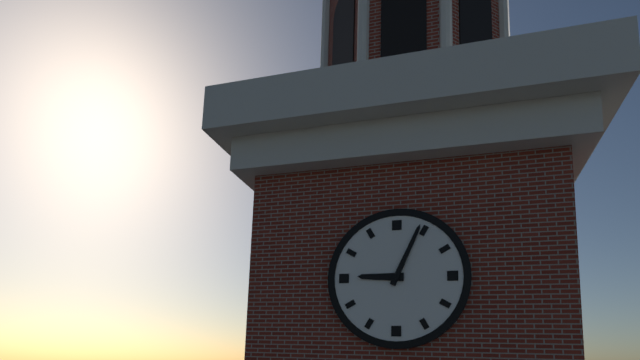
9:04
